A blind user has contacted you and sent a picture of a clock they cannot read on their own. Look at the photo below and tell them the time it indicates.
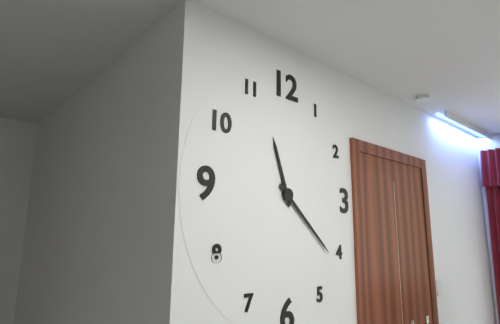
11:22
